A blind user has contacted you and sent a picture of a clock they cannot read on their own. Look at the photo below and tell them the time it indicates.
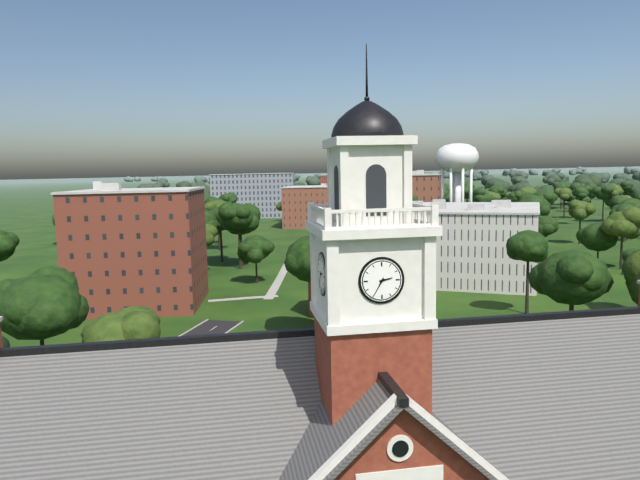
2:35
